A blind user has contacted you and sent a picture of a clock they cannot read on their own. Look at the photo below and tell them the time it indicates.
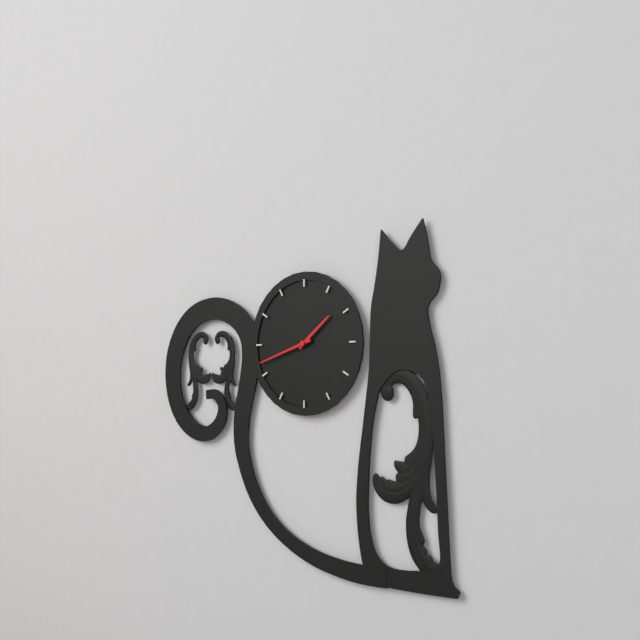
1:42
